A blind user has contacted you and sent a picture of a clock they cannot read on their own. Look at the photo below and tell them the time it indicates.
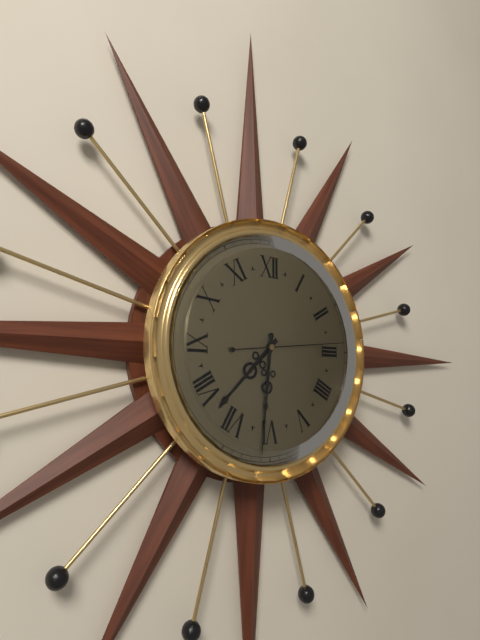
7:31:14
